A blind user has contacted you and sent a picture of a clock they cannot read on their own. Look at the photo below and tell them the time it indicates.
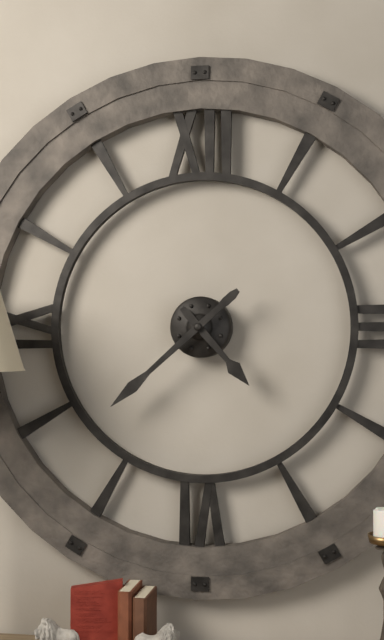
4:38
